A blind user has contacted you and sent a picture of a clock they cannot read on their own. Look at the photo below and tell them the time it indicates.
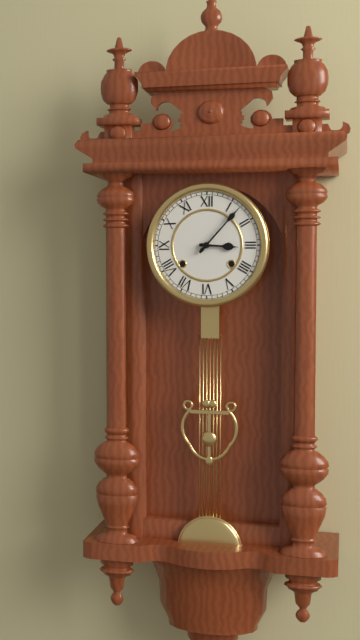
3:07
